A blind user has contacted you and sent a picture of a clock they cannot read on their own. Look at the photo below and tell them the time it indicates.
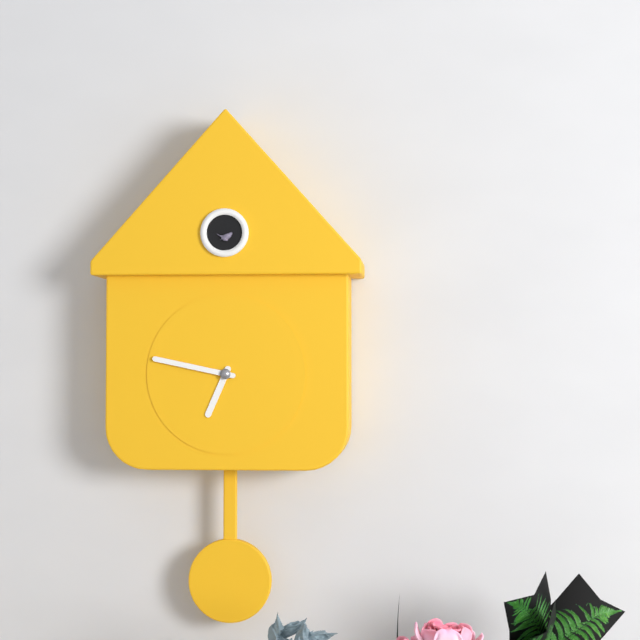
6:47
